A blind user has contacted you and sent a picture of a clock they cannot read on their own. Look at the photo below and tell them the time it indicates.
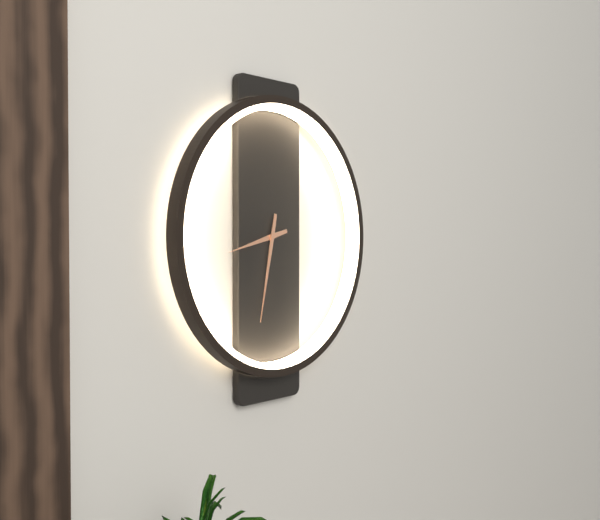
8:32
